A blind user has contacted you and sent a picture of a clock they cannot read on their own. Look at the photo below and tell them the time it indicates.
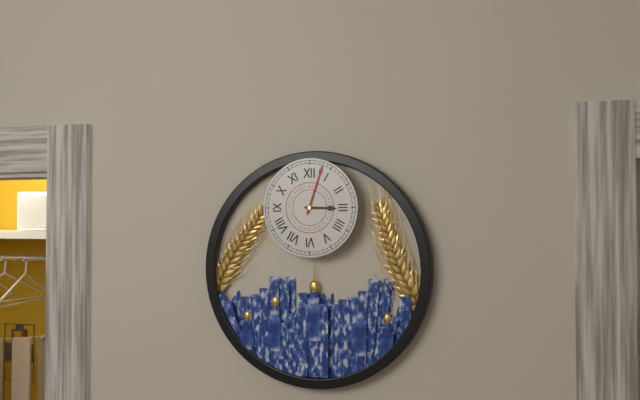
3:03
